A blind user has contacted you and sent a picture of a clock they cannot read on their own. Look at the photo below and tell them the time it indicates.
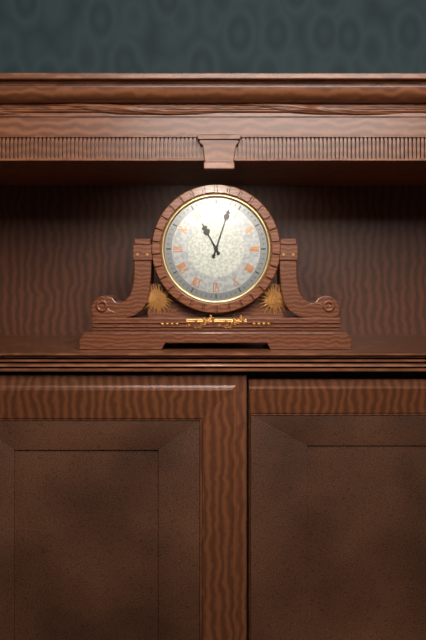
11:03
